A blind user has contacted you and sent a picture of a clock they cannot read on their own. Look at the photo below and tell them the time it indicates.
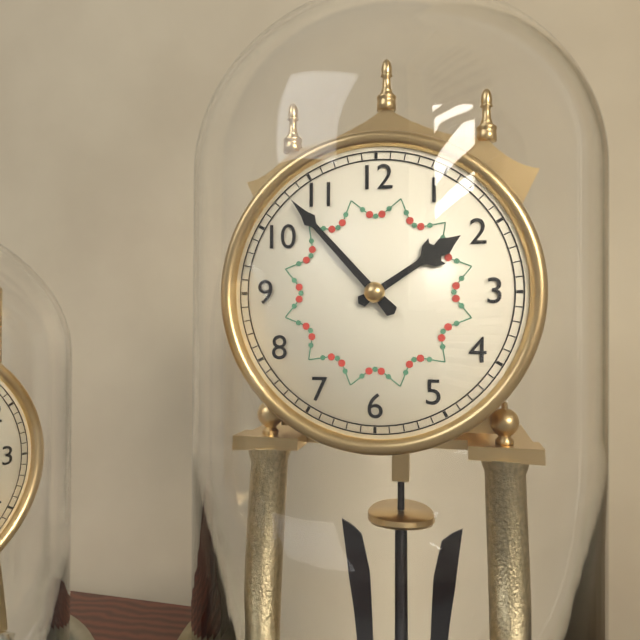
1:53
